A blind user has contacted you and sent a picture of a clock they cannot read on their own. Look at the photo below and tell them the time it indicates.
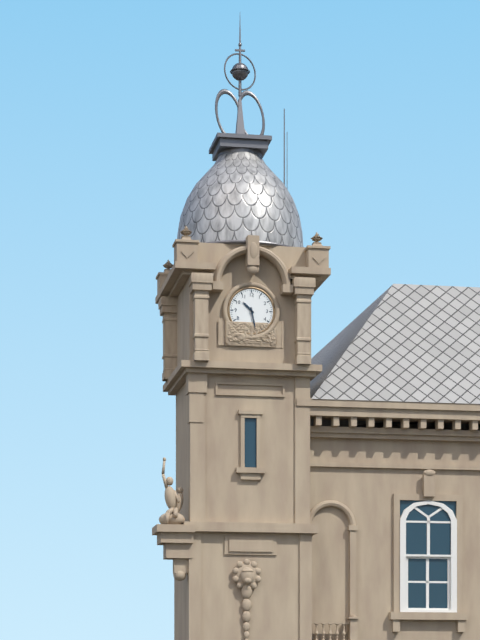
10:28
